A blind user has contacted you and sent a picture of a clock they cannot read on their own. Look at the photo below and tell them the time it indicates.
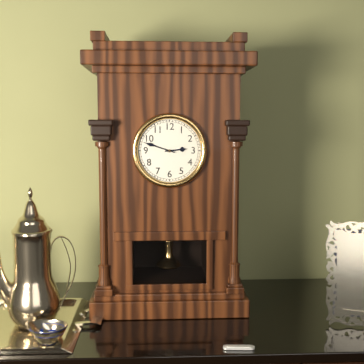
2:48
